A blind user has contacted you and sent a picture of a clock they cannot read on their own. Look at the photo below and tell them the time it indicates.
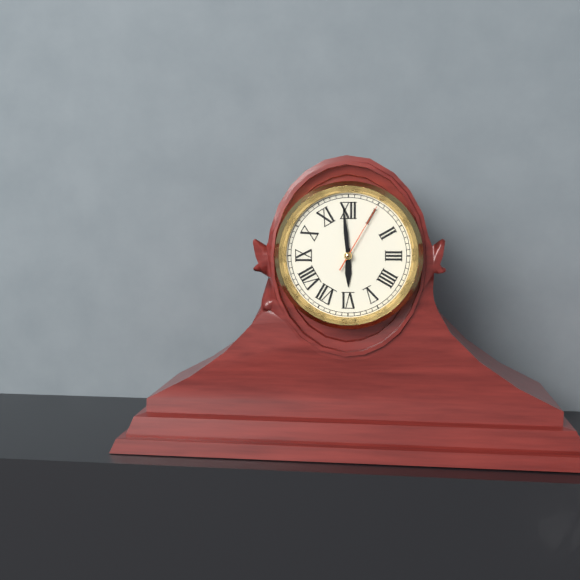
5:59:05
